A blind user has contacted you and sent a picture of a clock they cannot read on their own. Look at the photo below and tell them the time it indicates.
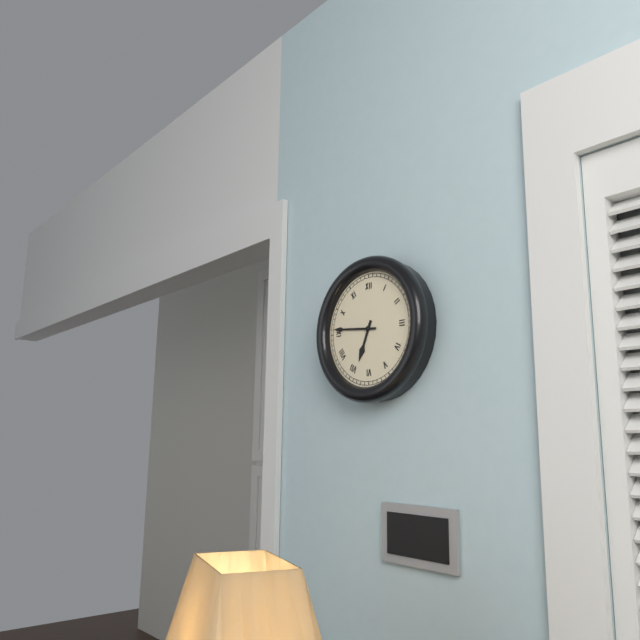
6:46
